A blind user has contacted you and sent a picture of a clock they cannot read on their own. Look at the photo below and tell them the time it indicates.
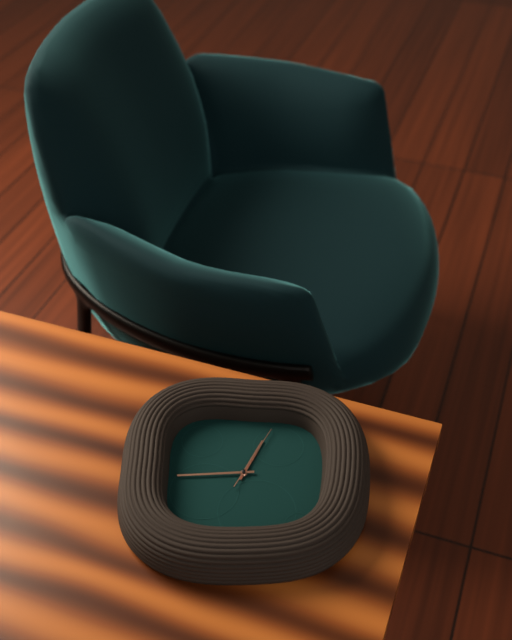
12:44:04
